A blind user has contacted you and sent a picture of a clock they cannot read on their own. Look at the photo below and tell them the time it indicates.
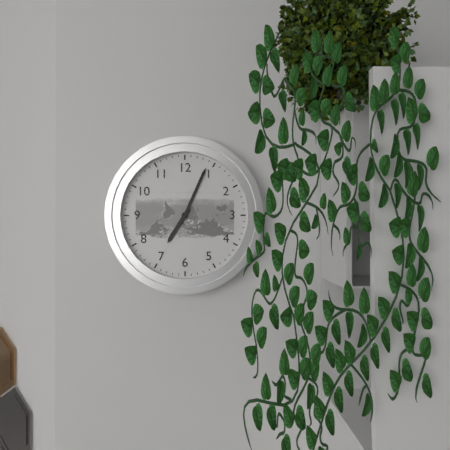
7:04
